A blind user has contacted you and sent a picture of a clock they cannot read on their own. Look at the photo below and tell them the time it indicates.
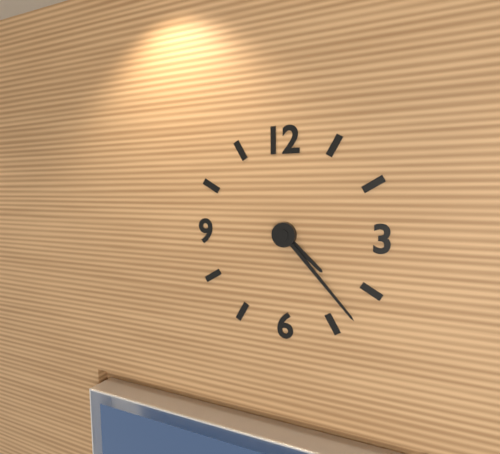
4:23
